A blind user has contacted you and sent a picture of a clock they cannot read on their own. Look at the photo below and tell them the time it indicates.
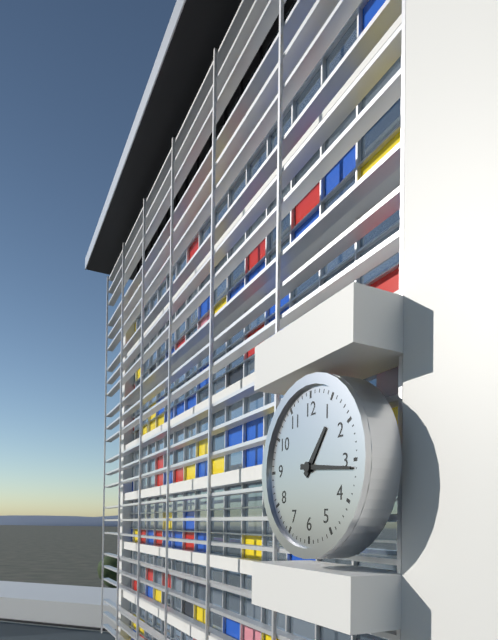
1:16
